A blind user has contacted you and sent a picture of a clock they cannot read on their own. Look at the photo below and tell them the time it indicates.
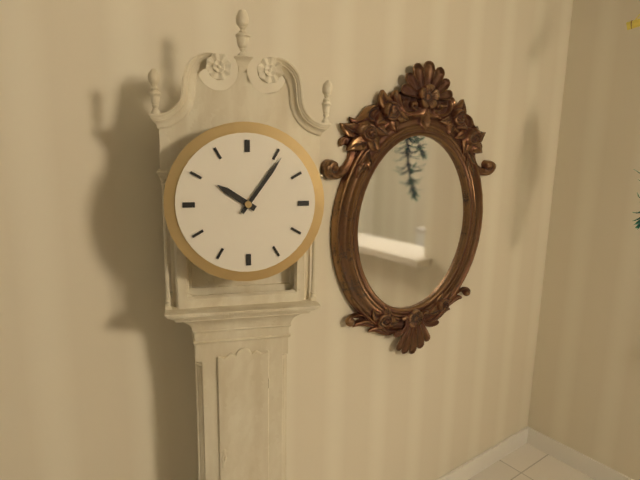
10:06
